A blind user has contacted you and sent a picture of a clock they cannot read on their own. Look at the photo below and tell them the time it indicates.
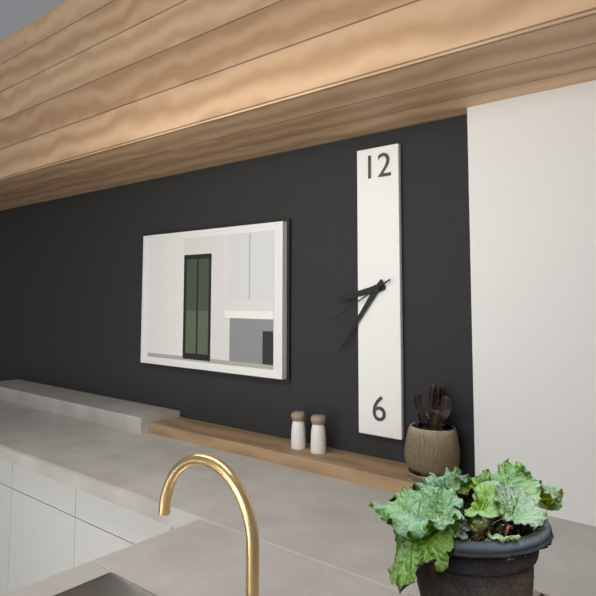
8:36:40
